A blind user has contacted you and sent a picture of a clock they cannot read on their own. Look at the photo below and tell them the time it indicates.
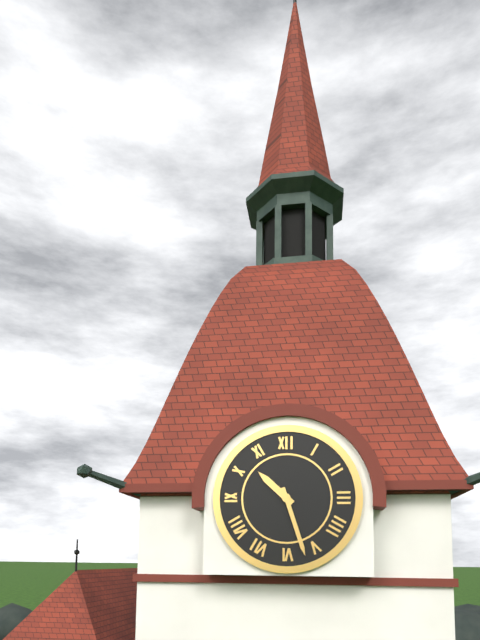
10:27
